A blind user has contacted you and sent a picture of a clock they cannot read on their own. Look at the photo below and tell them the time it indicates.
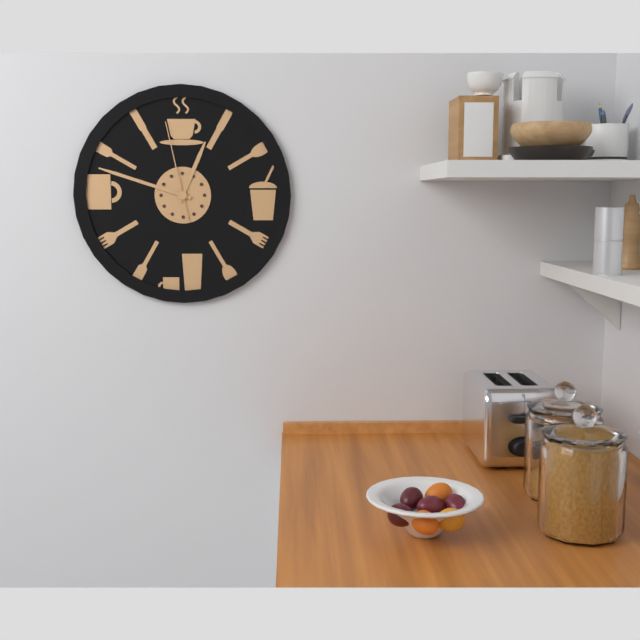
12:48:58
